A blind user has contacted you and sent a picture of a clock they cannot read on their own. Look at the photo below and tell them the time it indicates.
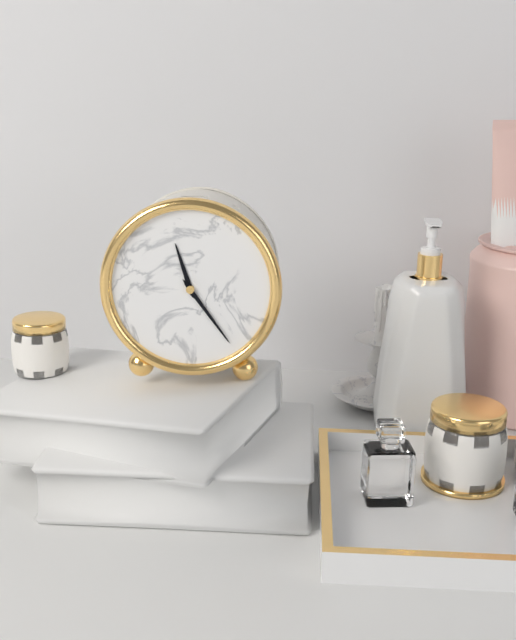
11:24
